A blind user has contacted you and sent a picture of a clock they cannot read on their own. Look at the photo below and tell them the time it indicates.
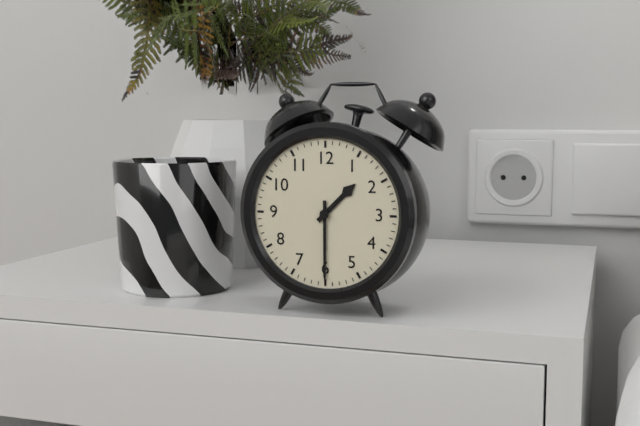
1:30
